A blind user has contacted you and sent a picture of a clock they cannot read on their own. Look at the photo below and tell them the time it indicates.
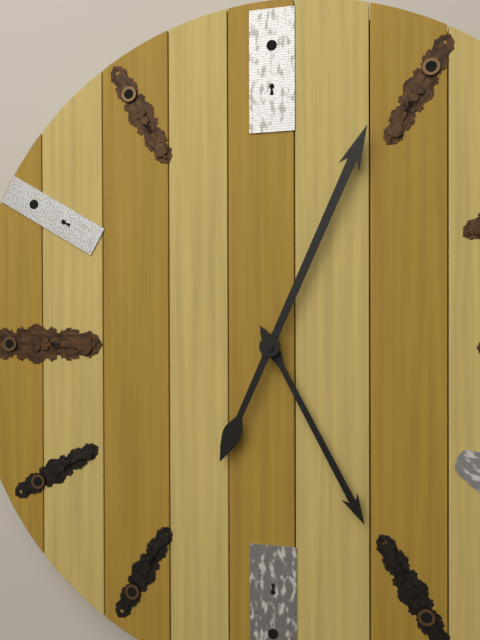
5:04
